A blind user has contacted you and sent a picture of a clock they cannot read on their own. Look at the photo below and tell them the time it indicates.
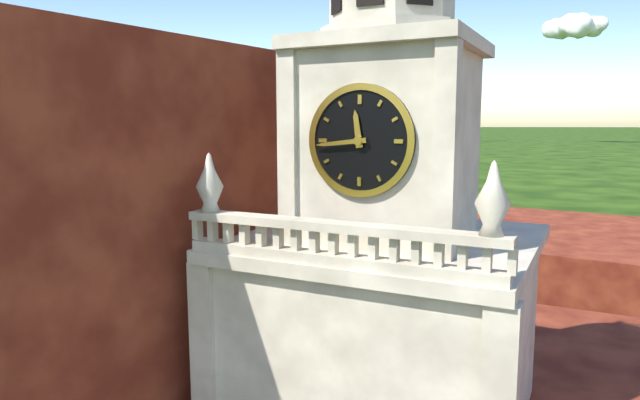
11:44
